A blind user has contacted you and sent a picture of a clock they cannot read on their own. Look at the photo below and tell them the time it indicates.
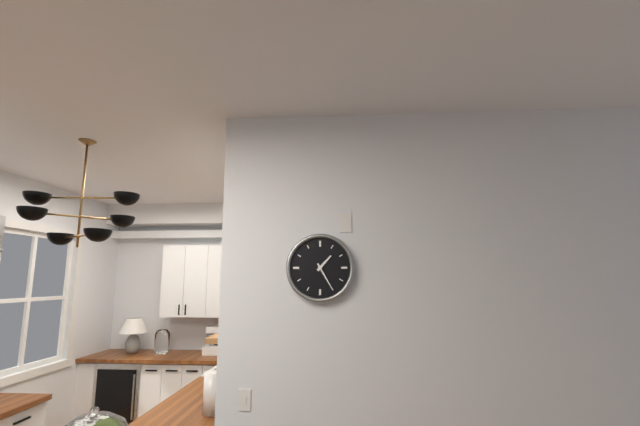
1:25
